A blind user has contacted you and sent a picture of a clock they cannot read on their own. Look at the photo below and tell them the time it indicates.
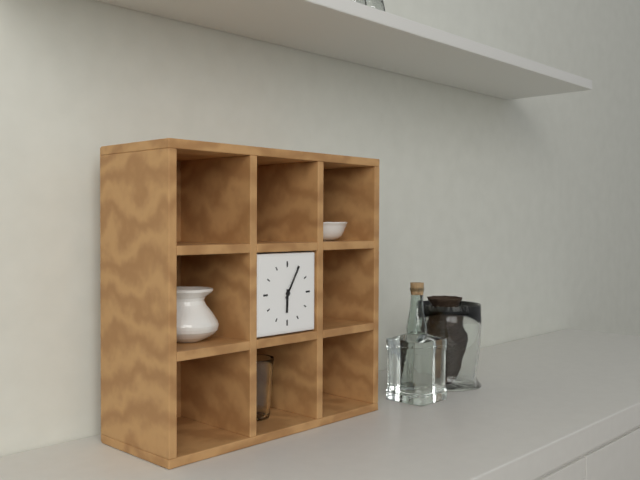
6:05
